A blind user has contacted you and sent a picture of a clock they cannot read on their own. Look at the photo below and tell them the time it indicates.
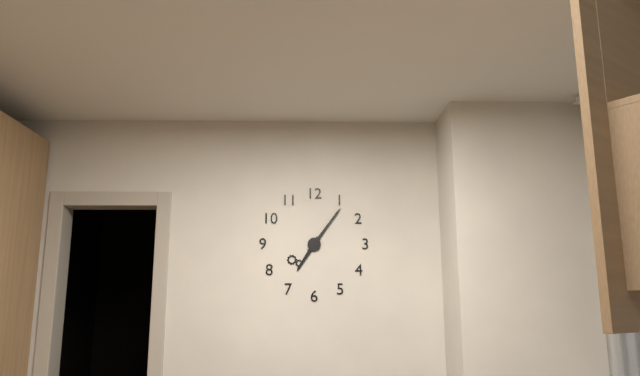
7:06
